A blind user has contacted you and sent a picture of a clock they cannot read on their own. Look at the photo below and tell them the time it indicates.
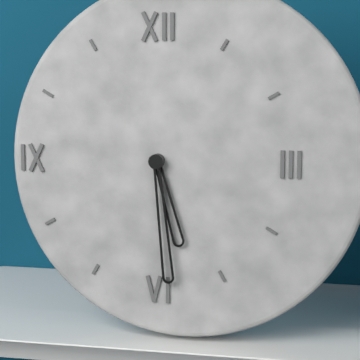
5:29
